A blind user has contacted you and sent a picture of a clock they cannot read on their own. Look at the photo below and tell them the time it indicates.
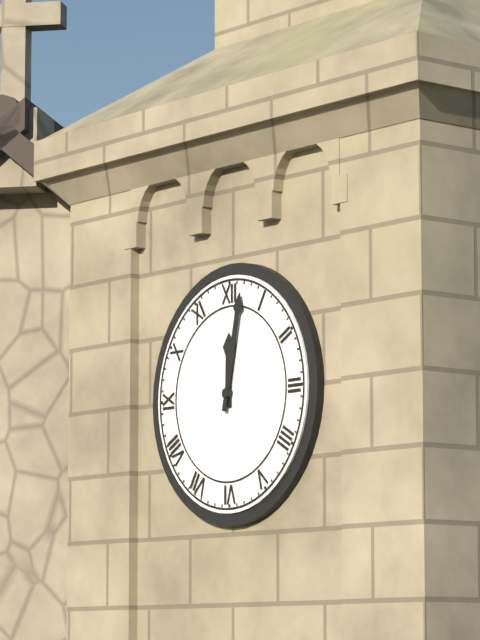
12:02
